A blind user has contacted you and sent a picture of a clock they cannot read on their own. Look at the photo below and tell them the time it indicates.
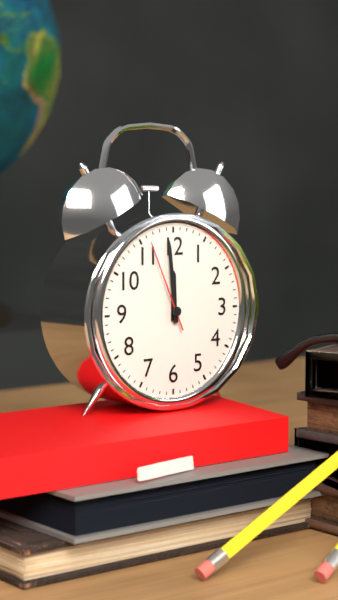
11:59:56
